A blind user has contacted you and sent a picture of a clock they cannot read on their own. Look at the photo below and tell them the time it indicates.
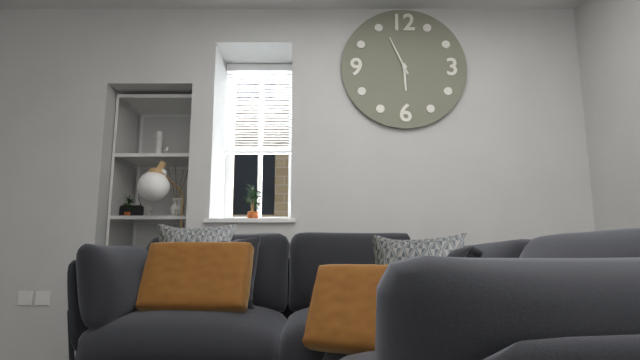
5:56
